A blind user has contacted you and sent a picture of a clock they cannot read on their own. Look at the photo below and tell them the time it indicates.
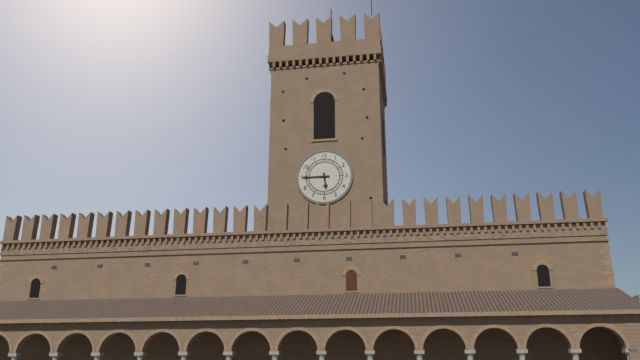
5:45
